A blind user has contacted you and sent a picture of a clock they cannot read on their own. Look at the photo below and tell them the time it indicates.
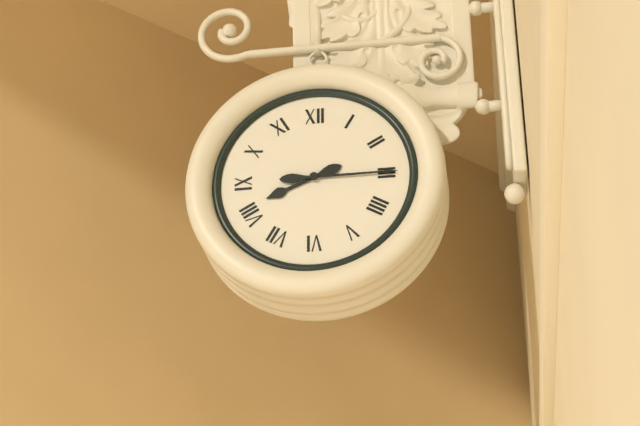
8:15
